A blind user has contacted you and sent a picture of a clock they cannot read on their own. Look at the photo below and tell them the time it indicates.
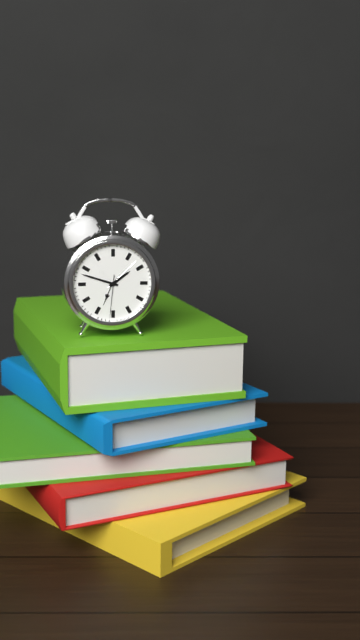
1:48
